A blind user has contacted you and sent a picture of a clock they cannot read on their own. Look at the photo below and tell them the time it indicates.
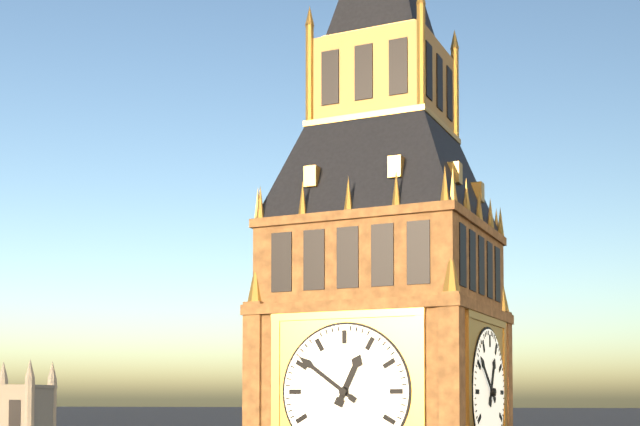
12:51
